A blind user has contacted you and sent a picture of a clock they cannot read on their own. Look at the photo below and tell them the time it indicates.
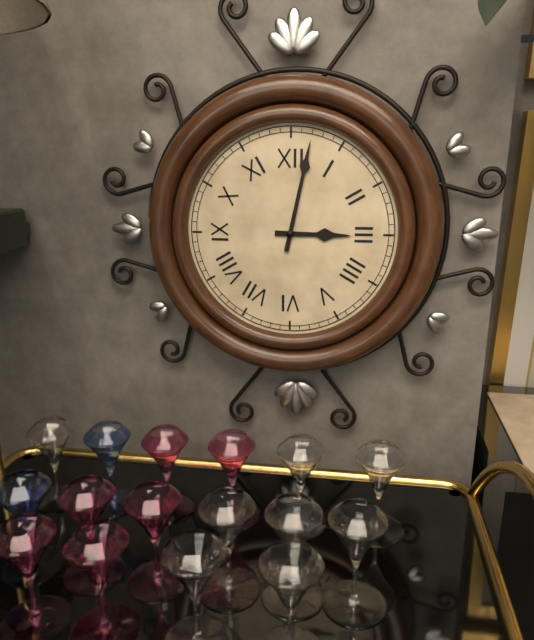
3:02
